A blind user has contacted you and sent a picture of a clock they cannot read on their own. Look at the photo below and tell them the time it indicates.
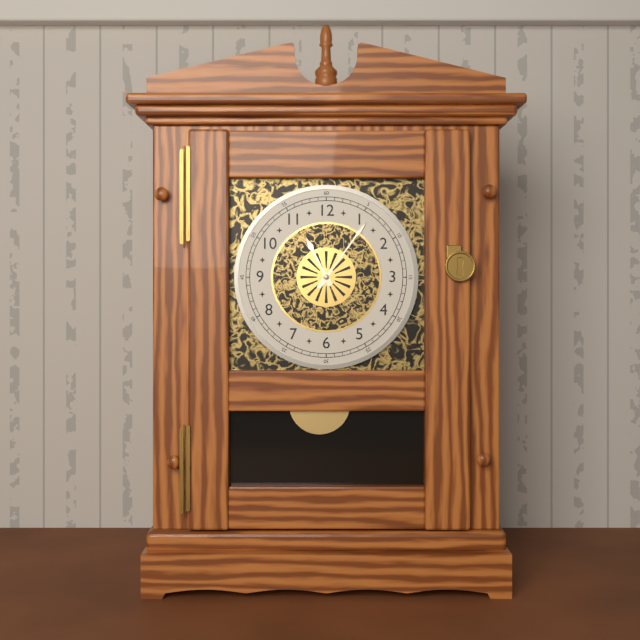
11:06
